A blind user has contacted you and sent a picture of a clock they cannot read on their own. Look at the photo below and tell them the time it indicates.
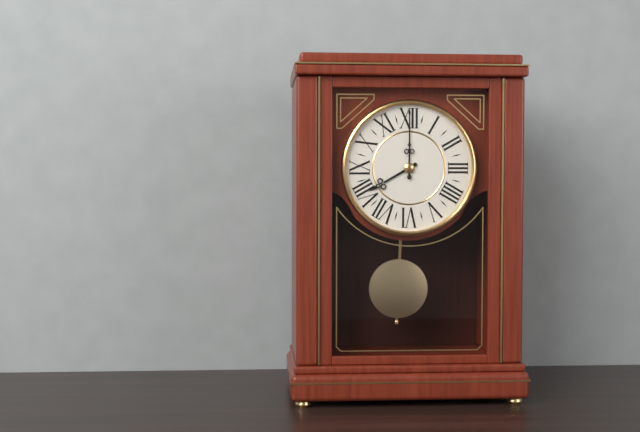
8:00
